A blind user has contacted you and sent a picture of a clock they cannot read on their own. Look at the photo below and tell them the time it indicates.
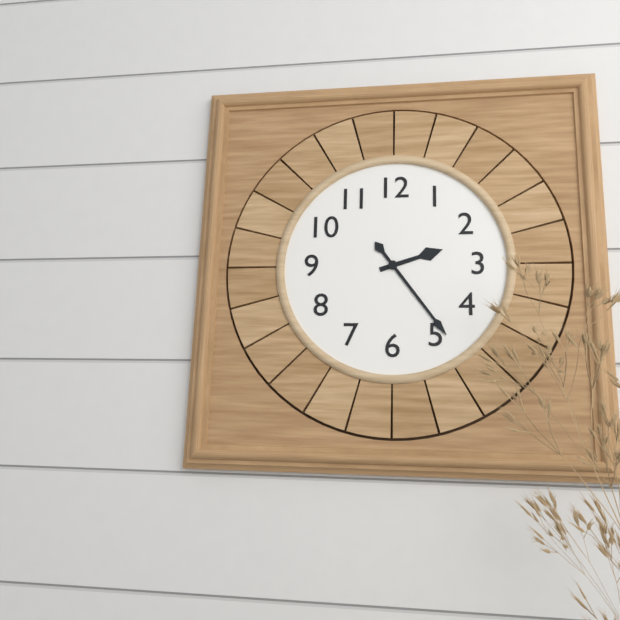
2:24
